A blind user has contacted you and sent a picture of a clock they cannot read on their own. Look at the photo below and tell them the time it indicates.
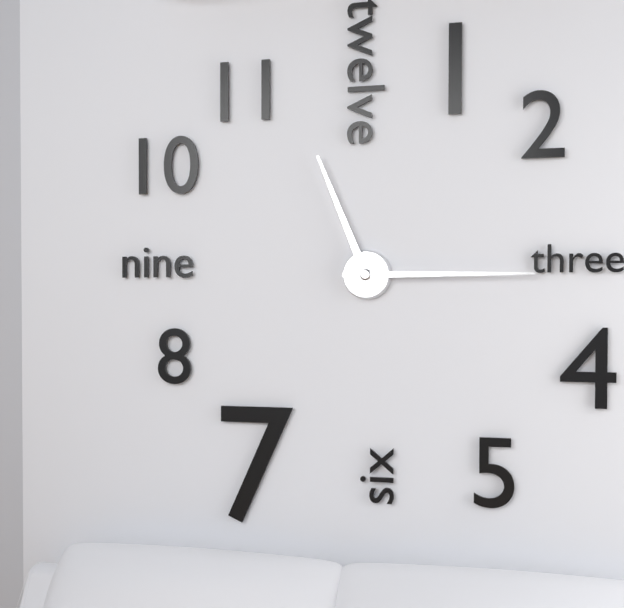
11:15
